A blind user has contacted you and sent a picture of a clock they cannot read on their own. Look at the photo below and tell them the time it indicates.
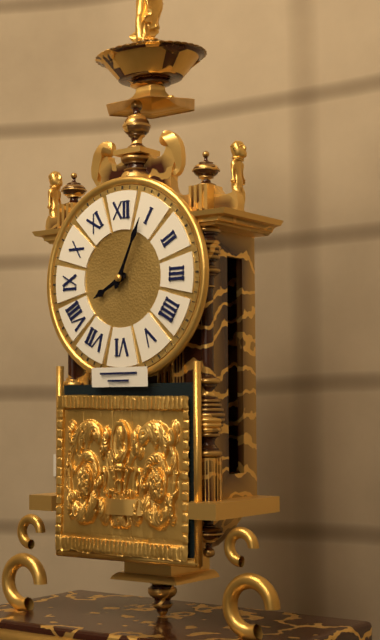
8:04
